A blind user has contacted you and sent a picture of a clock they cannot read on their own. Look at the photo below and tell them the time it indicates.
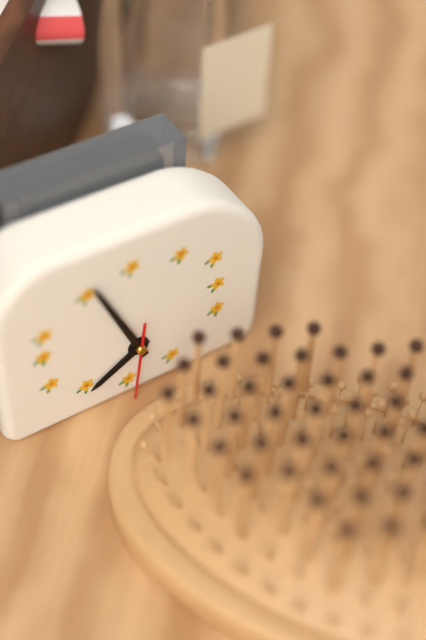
7:56:31
